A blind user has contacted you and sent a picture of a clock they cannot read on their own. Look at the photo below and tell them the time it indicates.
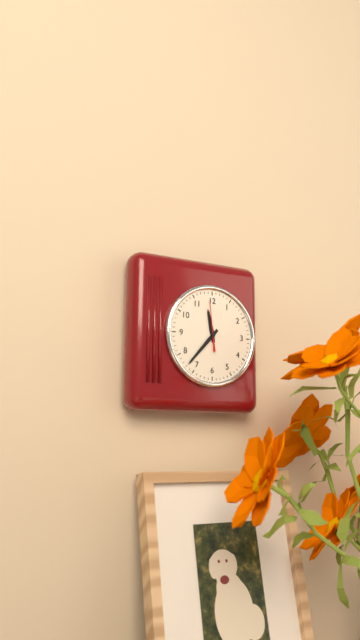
11:37
